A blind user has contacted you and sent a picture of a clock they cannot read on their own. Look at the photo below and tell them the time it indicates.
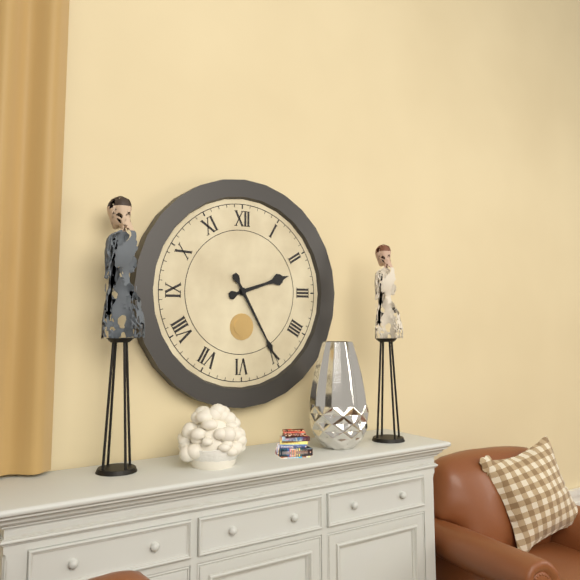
2:25
